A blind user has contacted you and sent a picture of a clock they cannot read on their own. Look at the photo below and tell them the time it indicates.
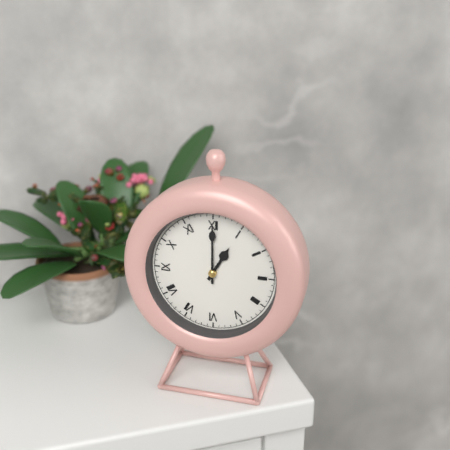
1:00
